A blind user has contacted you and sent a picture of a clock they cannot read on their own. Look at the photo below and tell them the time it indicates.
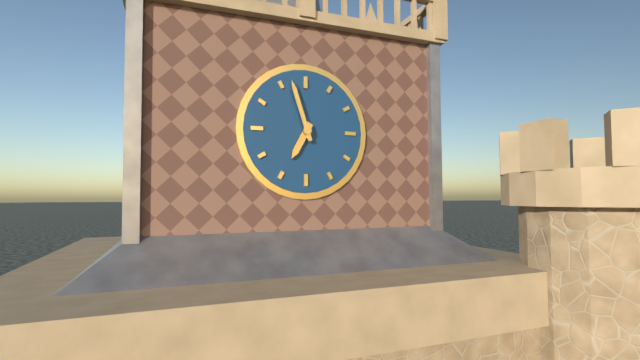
6:57
